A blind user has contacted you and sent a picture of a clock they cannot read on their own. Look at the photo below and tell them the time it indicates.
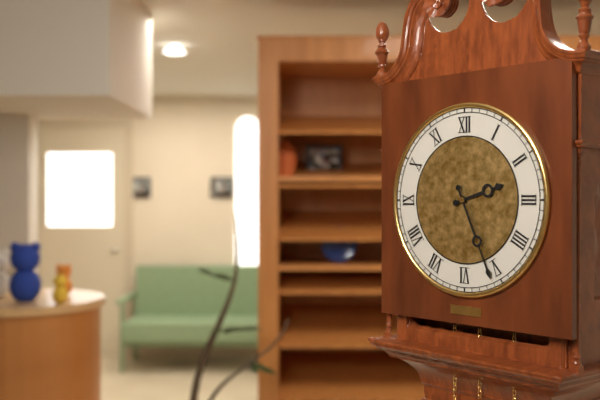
2:26
